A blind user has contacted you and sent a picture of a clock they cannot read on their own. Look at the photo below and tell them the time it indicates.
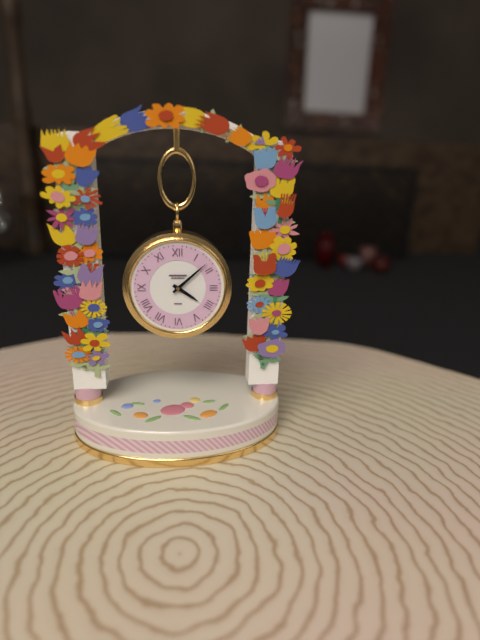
4:08
